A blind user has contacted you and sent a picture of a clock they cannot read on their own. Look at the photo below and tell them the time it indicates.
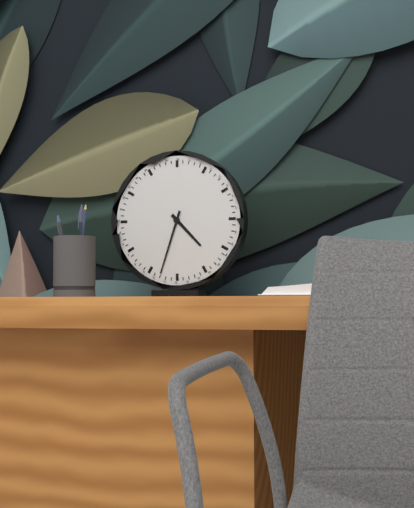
4:33
